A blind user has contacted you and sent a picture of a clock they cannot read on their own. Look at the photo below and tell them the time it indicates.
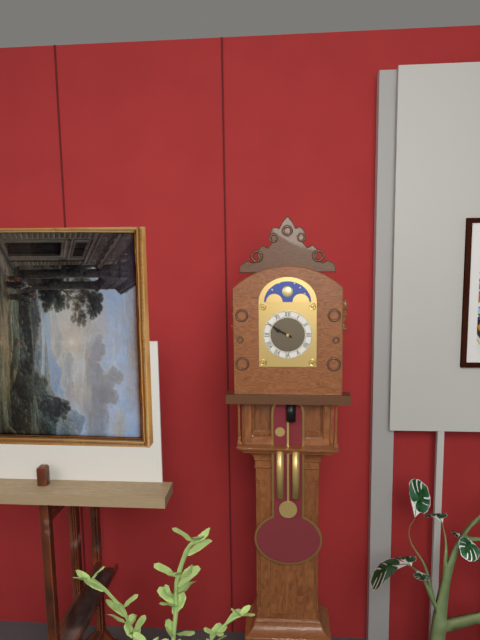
9:50
